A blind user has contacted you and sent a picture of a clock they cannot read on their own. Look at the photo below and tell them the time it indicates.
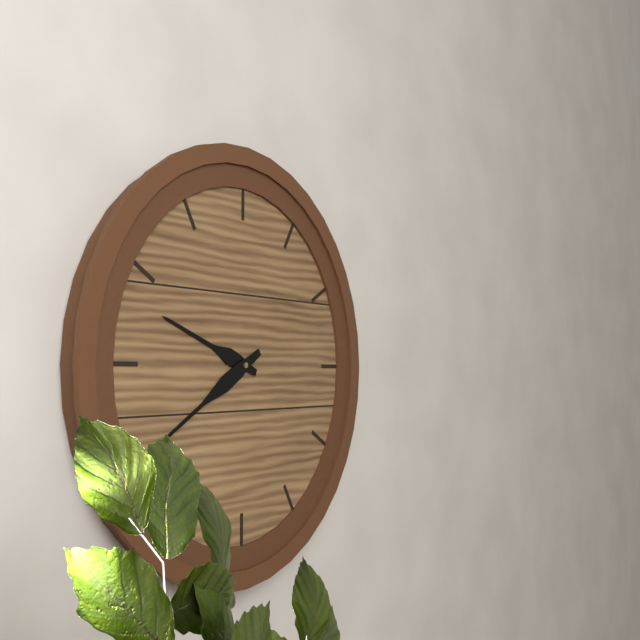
9:40
